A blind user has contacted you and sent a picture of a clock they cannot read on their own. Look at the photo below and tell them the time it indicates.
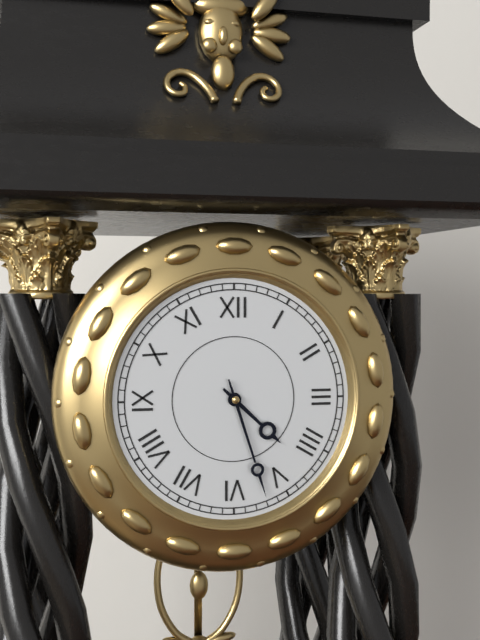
4:27
